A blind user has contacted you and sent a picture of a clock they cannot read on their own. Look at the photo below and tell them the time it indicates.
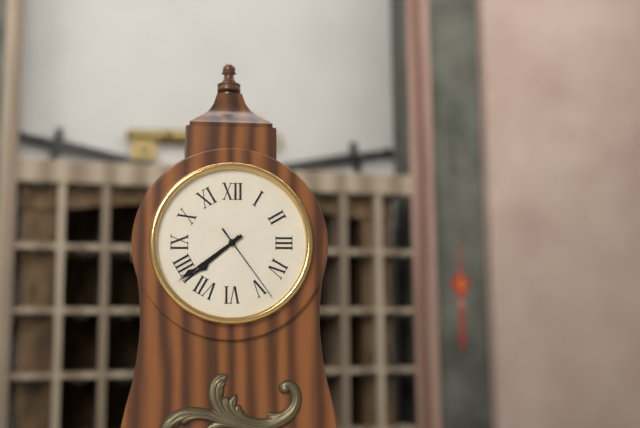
7:39:24
